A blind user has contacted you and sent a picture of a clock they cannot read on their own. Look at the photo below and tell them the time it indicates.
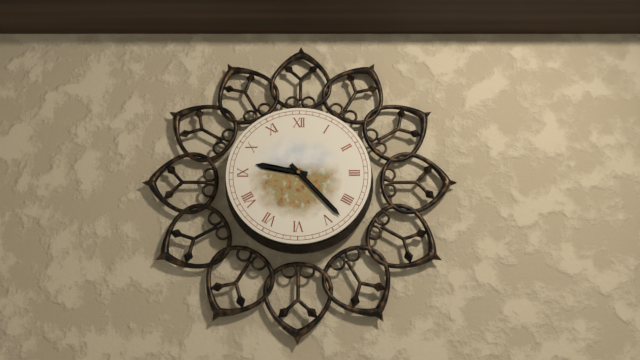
9:23
